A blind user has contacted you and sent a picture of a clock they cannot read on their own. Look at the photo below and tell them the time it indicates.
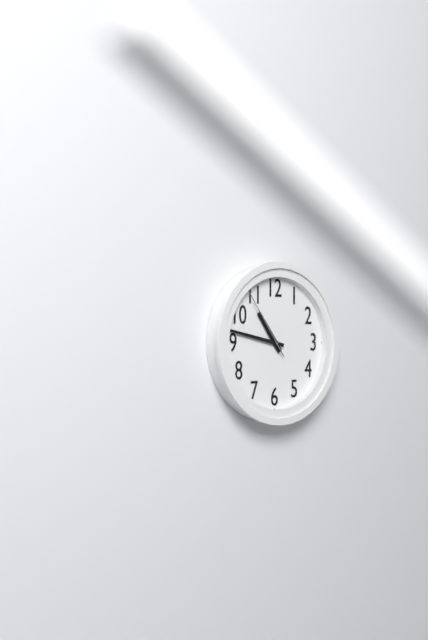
10:47:54
